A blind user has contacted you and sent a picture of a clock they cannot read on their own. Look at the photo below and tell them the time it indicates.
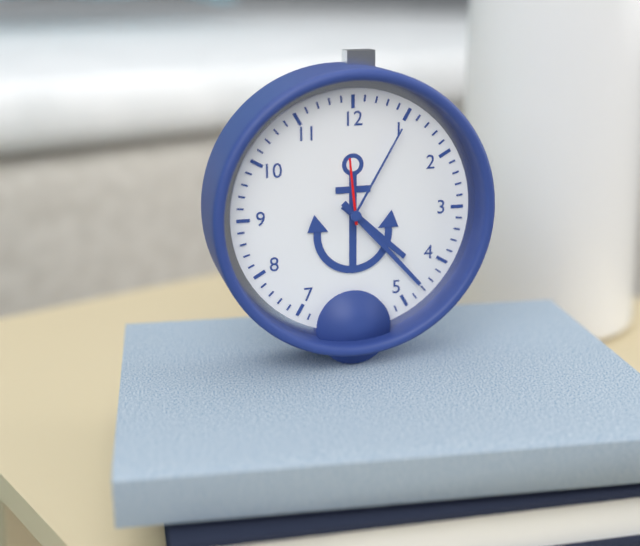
4:23:59
